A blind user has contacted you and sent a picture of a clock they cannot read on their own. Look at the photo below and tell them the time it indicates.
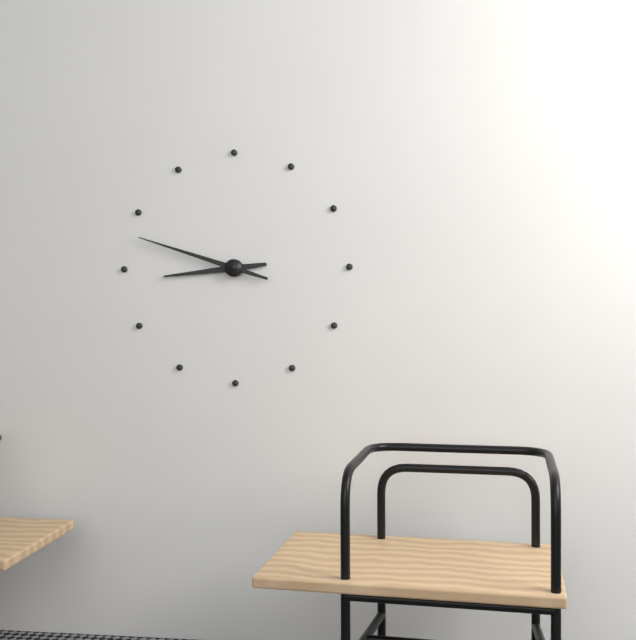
8:48
